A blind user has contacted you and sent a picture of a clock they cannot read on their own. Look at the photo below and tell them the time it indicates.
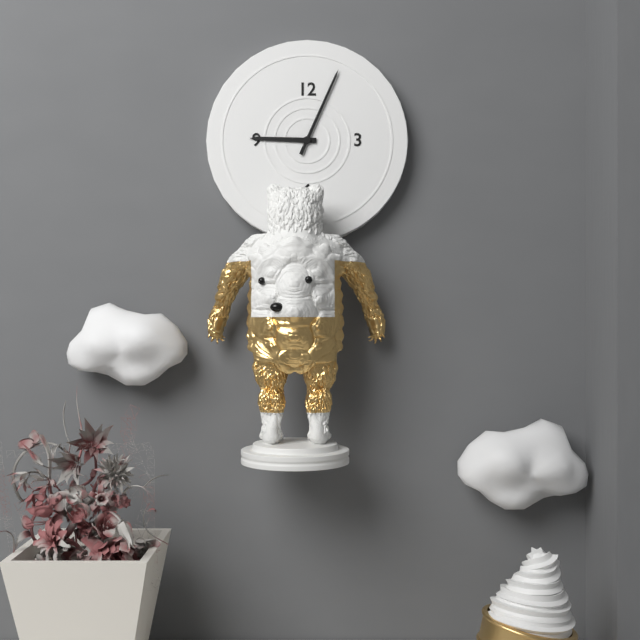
9:04
